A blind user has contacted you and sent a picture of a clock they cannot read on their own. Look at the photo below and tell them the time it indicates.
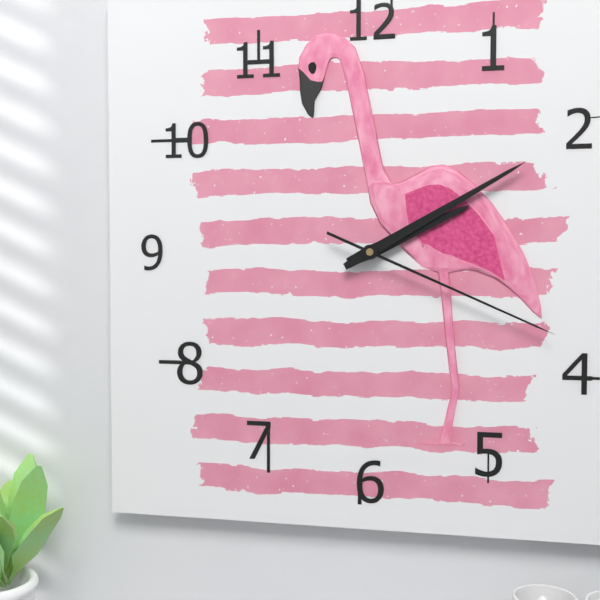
2:10:19
